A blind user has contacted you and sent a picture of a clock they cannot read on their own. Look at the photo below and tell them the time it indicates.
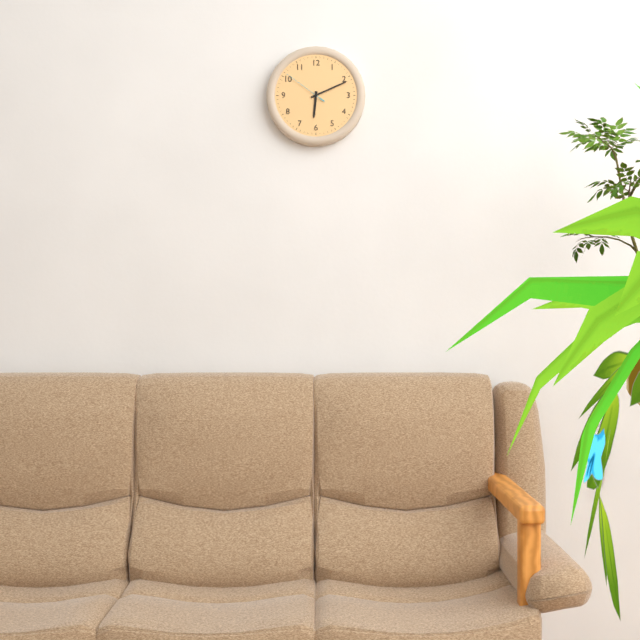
6:11
